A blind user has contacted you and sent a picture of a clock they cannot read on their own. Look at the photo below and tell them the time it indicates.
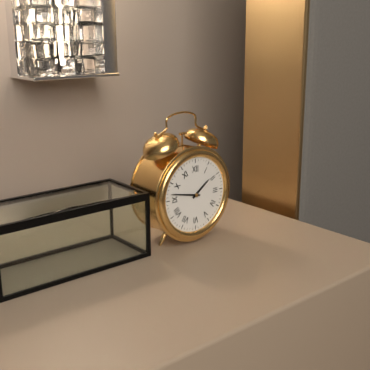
1:47
